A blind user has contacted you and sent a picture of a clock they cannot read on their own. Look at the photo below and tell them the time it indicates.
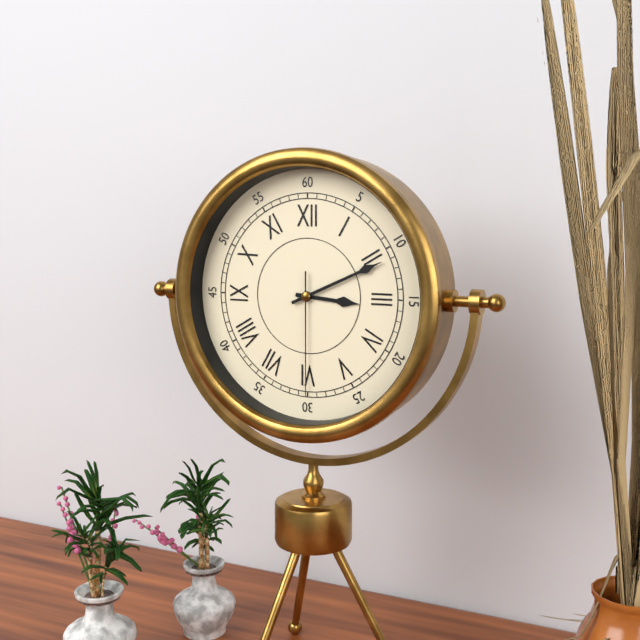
3:11:30
